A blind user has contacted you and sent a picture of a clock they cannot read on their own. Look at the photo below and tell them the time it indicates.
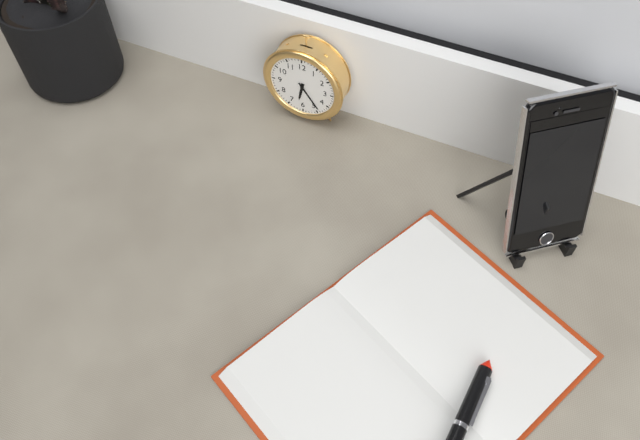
6:24
